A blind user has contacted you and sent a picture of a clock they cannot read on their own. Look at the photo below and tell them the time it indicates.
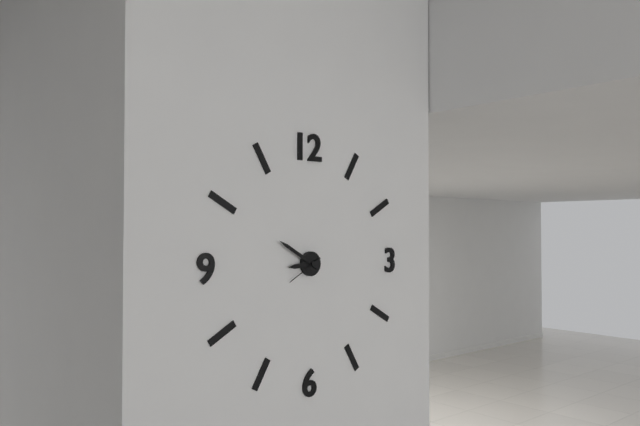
8:50
